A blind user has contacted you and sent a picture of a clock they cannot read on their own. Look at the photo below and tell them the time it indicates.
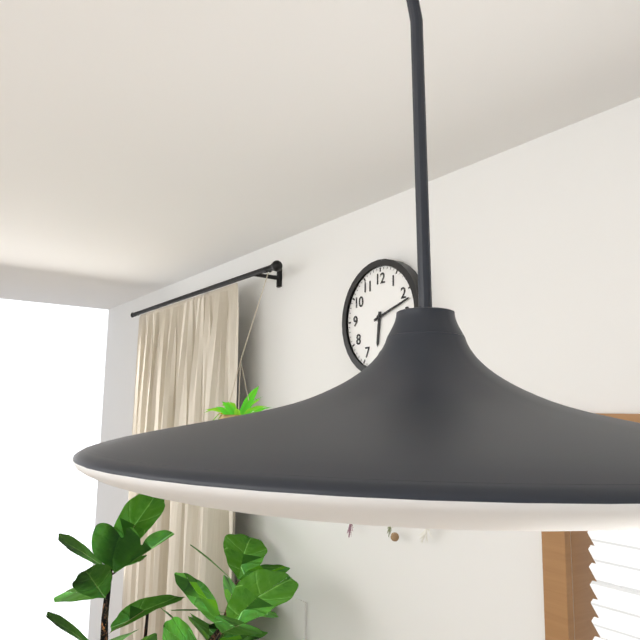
6:12
